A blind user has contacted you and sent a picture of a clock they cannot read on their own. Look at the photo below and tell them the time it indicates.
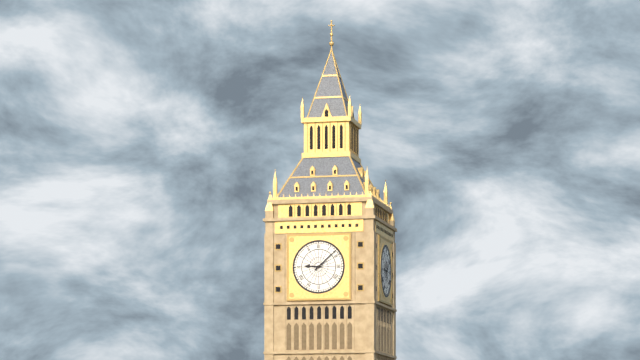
9:08
